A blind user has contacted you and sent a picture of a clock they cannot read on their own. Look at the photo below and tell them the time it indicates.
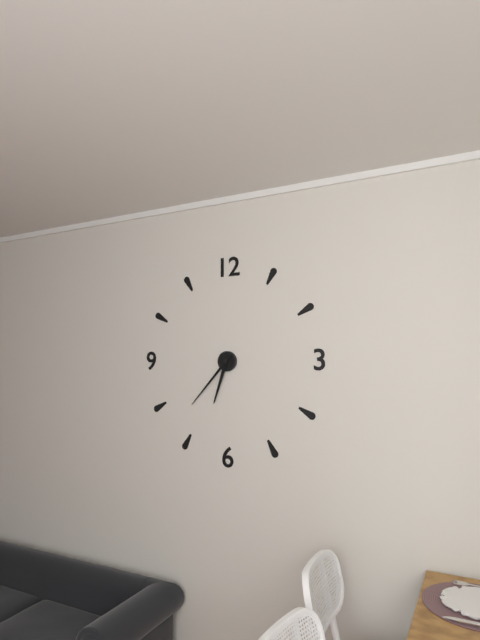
6:37
